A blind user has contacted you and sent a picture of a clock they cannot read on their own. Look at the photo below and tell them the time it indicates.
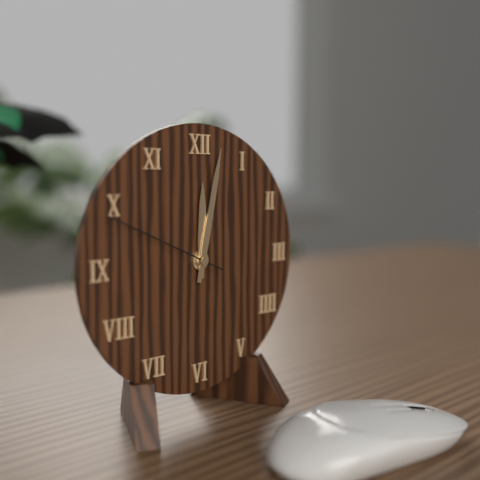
12:02:49
